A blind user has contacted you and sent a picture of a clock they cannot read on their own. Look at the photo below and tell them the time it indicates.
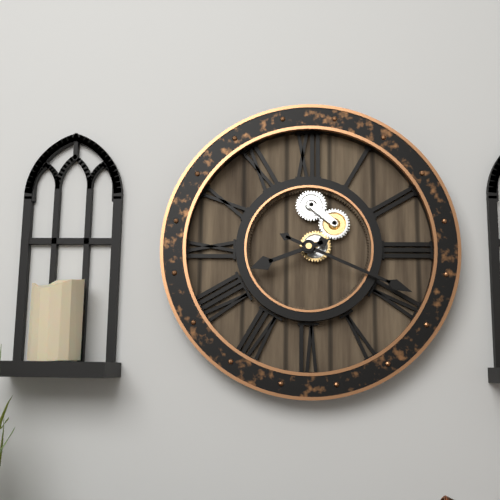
8:19
